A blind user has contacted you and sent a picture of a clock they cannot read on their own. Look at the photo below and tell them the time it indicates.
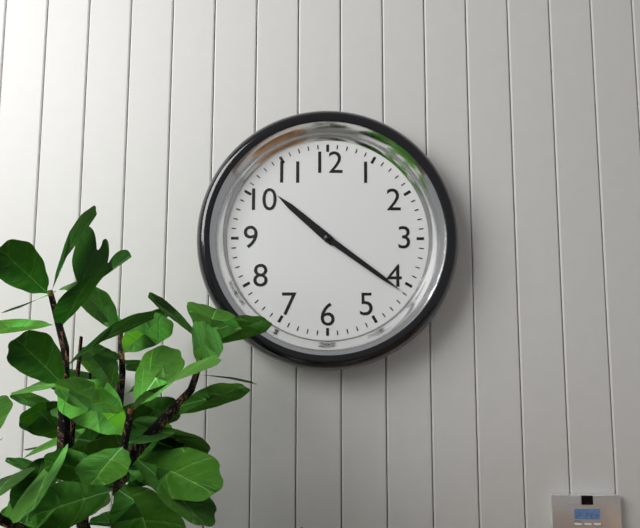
10:21
